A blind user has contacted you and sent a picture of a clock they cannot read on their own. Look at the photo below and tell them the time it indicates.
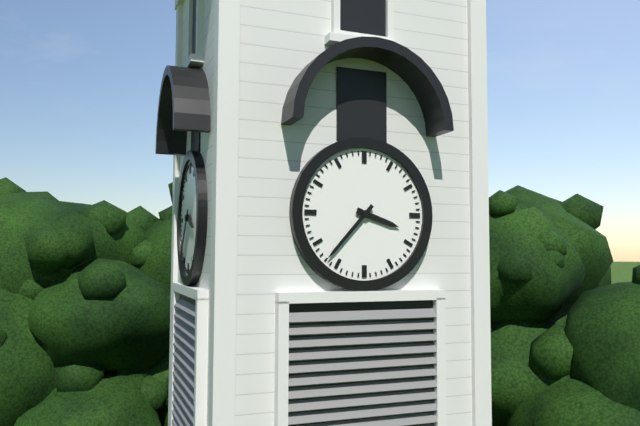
3:37
